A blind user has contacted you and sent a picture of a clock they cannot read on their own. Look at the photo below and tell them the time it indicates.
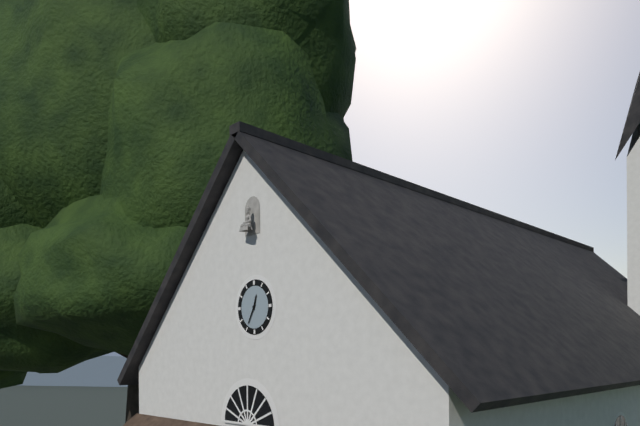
12:35
